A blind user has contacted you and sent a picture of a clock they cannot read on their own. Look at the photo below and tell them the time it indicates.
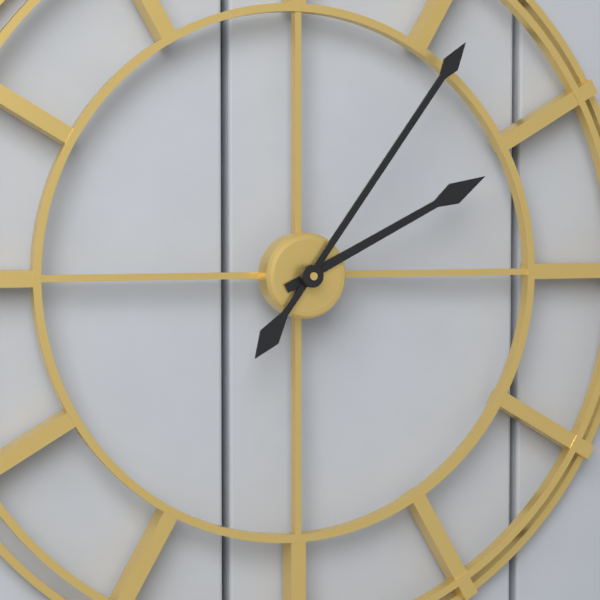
2:06
